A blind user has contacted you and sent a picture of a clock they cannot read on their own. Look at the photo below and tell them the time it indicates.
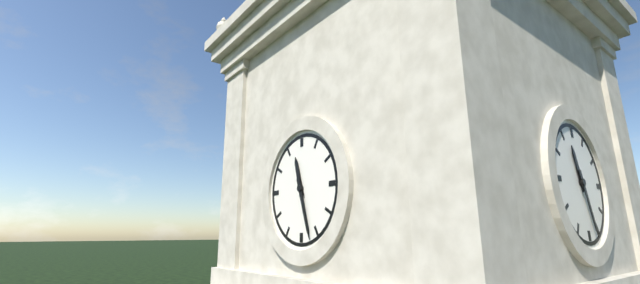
11:27
